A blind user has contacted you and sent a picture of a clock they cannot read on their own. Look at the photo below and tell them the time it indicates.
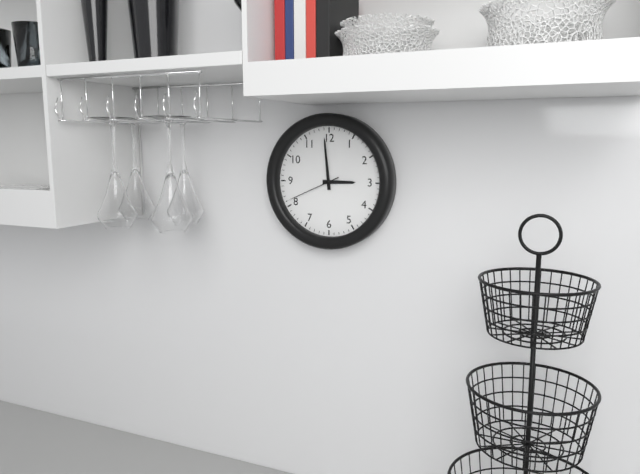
2:59:41
